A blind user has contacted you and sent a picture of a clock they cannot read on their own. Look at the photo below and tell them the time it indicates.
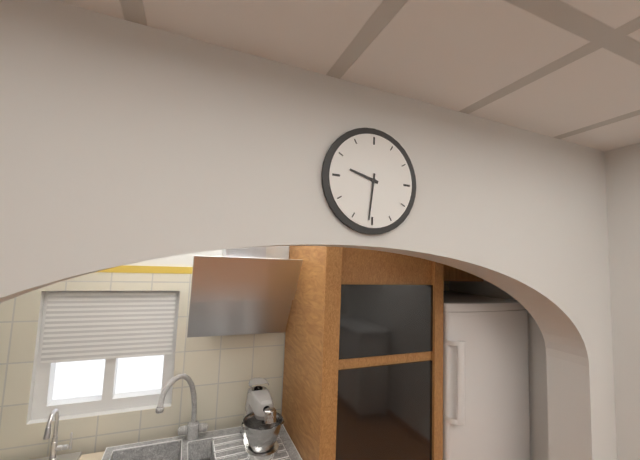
9:31
